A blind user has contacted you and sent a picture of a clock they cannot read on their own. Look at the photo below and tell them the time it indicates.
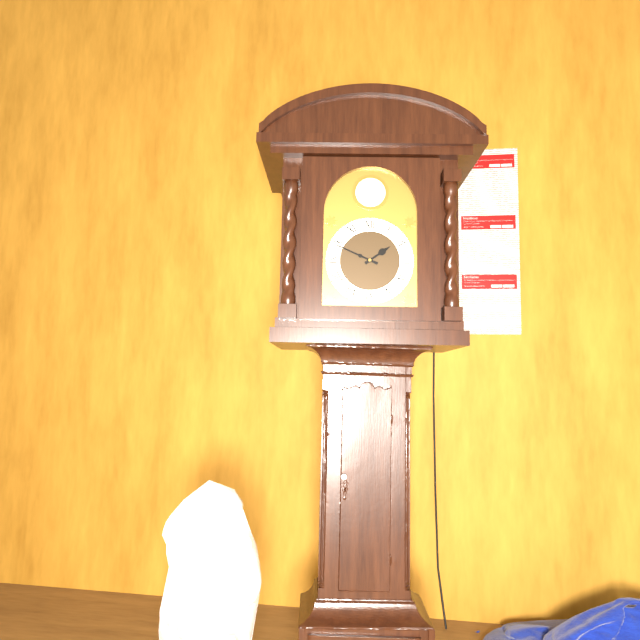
1:49
